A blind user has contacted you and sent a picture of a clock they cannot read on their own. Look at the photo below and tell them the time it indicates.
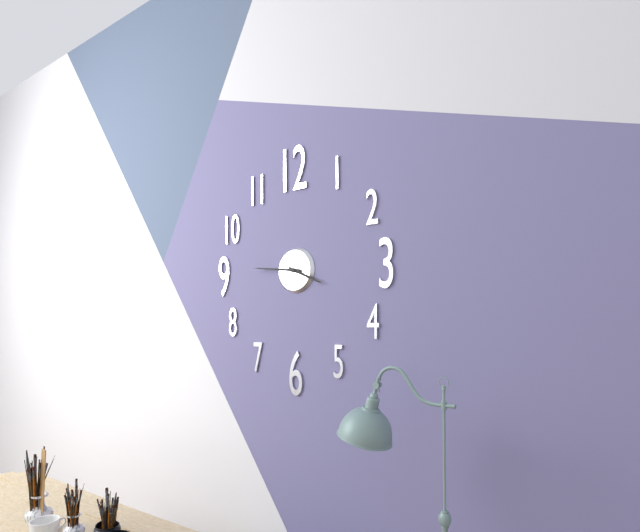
3:46
